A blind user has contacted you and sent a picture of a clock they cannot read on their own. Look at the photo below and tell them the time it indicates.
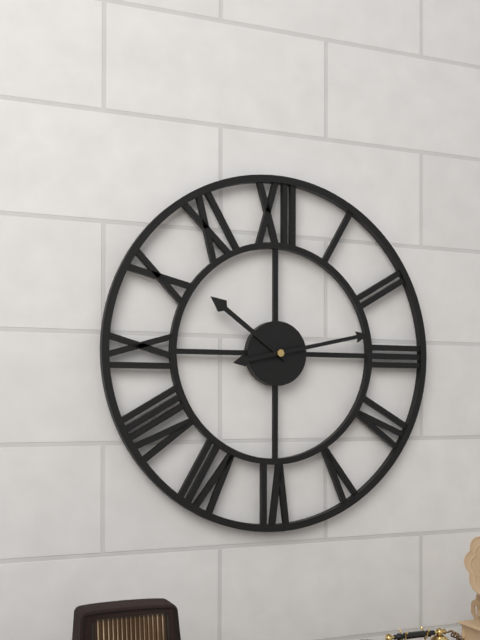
10:13
